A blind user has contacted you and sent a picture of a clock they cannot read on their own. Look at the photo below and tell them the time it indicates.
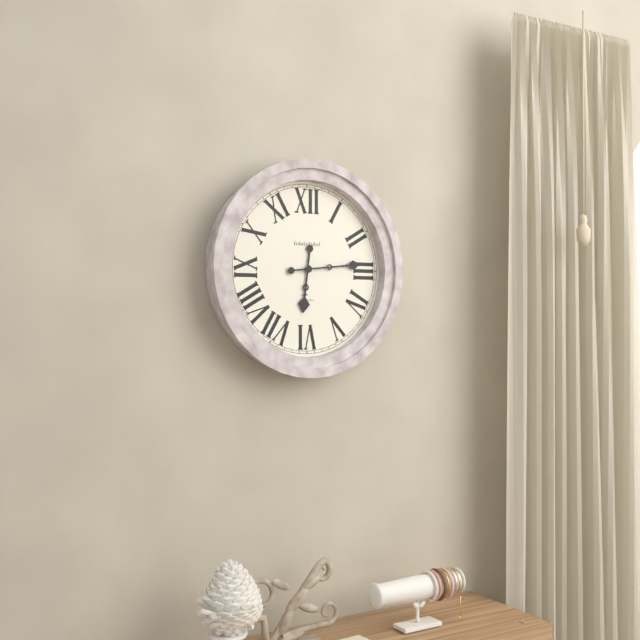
6:14
